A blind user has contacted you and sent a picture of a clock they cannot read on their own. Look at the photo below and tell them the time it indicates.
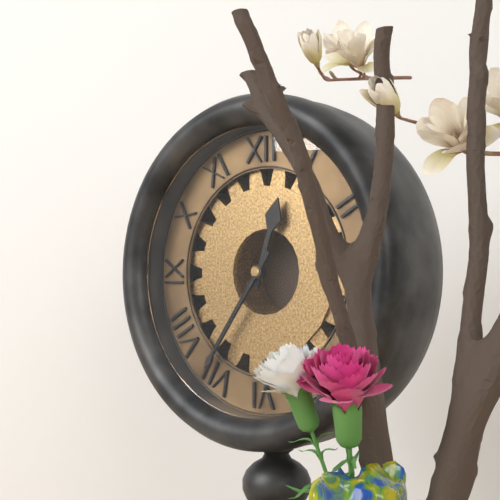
12:36
